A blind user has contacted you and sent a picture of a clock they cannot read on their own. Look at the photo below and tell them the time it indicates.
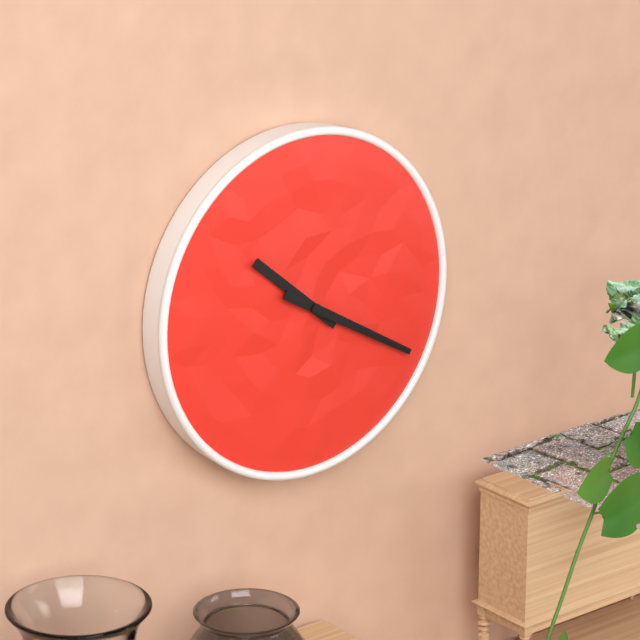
10:20
